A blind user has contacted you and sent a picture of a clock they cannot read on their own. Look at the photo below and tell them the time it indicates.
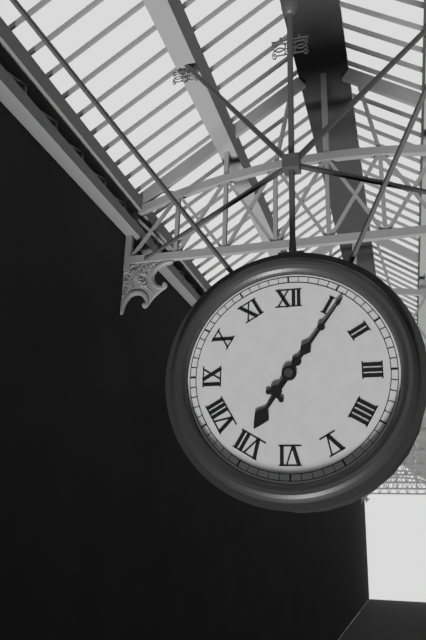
7:06
